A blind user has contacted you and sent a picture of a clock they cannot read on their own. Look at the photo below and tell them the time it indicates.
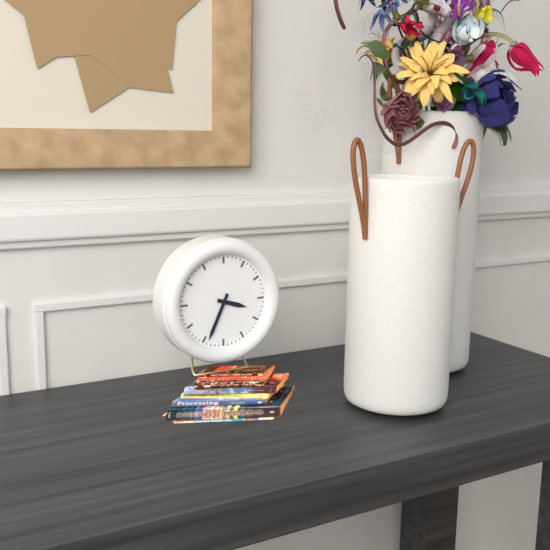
3:34
